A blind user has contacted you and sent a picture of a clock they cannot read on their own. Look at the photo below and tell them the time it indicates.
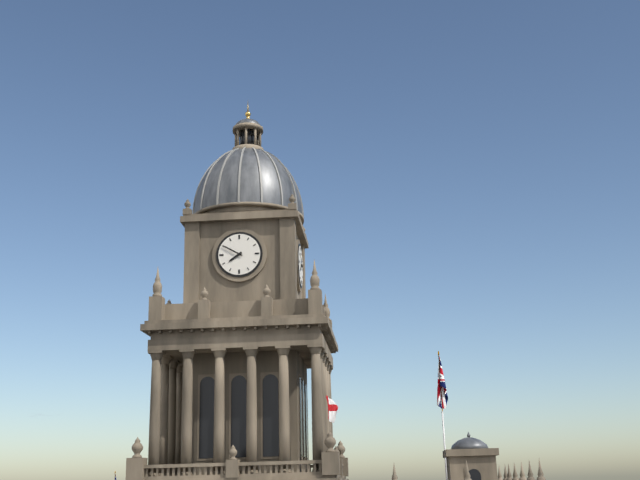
7:50
